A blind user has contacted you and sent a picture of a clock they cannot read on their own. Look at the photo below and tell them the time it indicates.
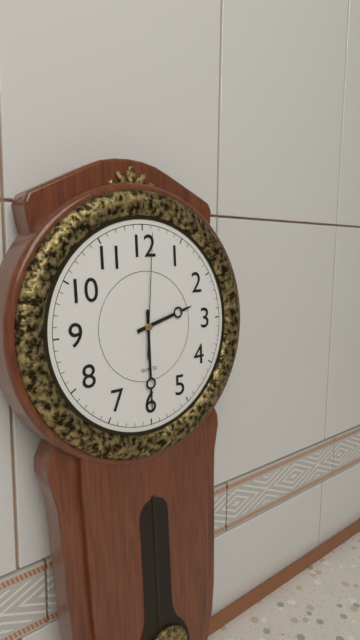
2:30:01
